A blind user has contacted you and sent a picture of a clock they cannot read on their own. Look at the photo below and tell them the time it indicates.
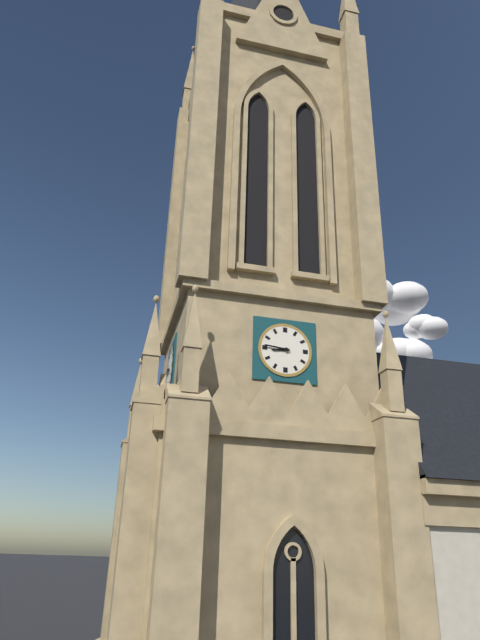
8:46
